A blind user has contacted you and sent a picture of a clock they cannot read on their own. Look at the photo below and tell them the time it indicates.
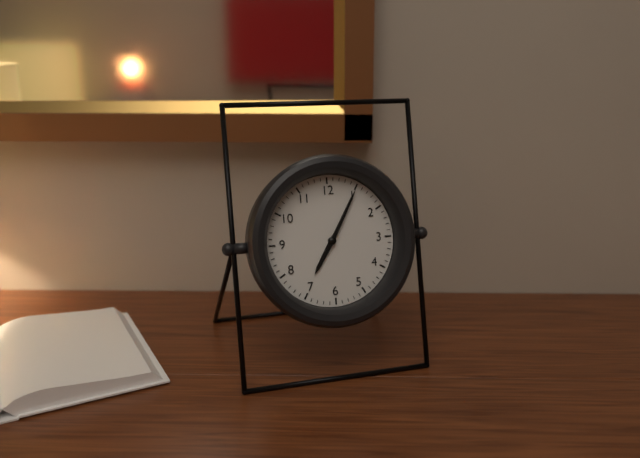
7:05
